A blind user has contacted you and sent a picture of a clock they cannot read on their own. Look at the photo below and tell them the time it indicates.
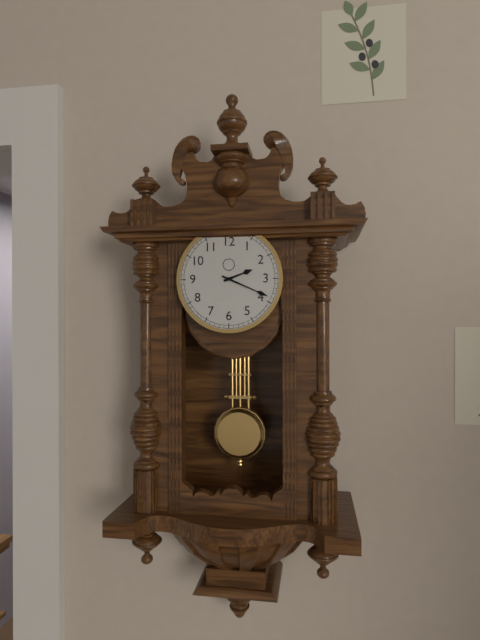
2:19
